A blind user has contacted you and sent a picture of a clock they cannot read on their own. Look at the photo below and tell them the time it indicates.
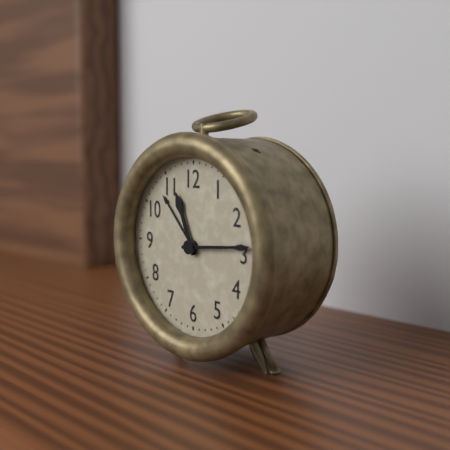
11:14
